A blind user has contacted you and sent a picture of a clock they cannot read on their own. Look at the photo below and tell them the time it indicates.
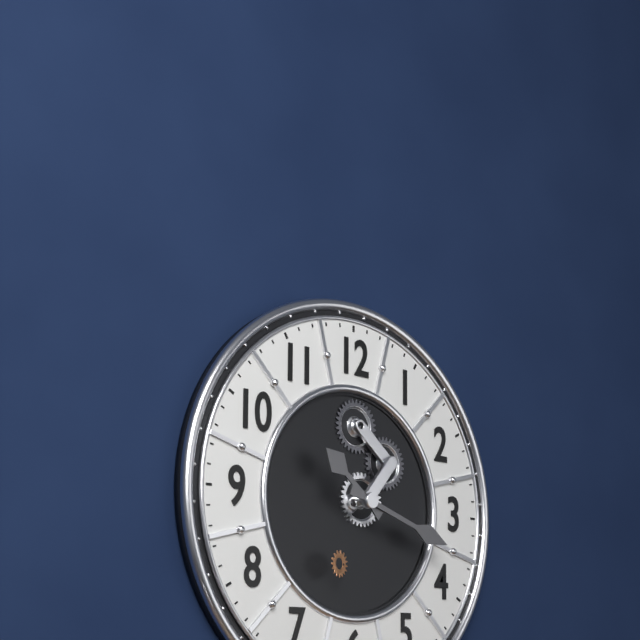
10:18
